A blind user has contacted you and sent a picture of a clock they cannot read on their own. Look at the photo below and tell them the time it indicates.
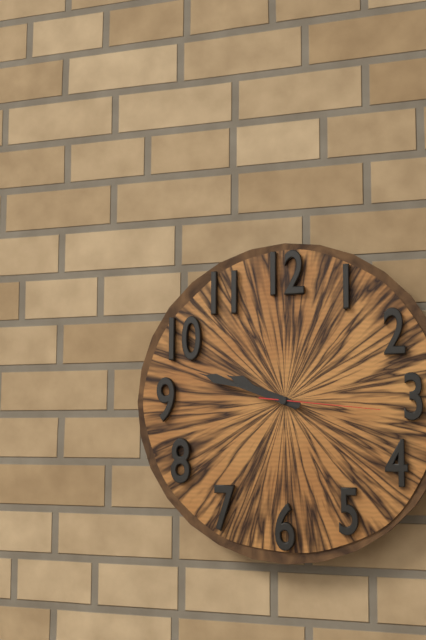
9:48:16
